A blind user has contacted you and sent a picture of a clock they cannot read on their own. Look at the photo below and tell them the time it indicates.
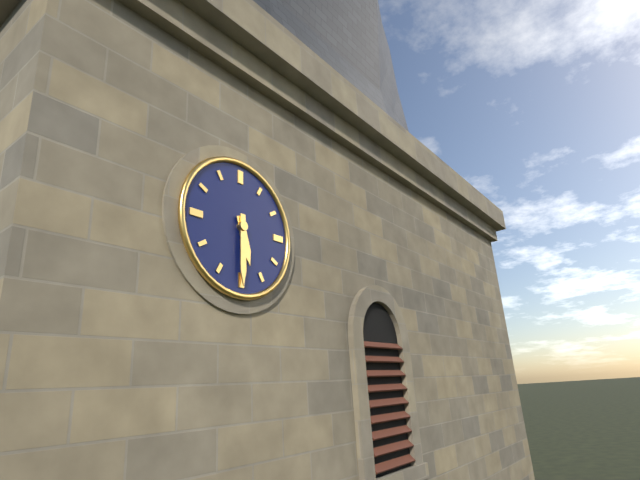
5:30
